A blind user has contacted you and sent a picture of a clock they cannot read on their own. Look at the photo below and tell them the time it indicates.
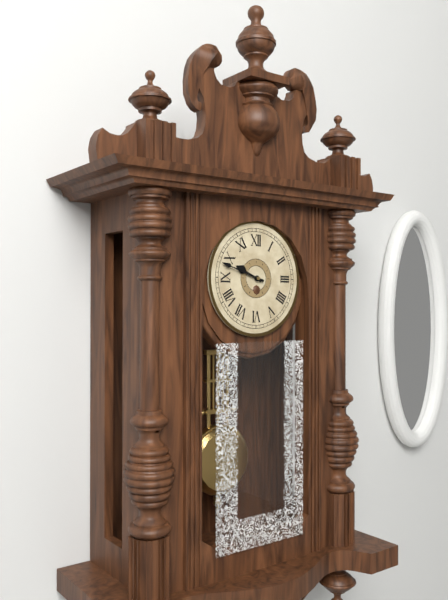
9:48
